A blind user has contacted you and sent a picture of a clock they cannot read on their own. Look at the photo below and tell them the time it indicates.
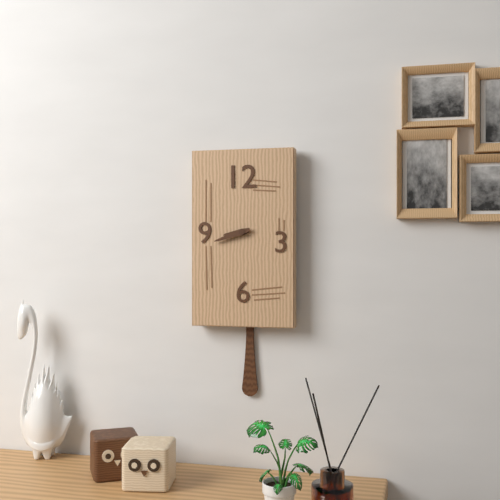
8:42
